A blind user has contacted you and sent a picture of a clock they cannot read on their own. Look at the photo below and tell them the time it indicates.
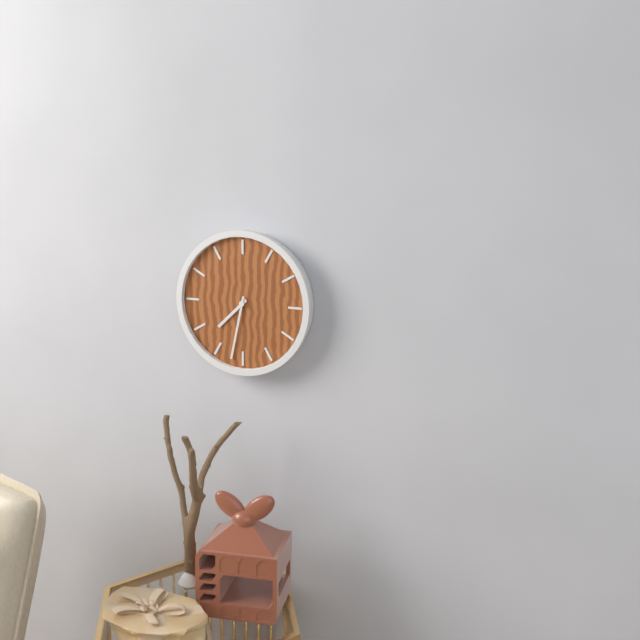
7:32
